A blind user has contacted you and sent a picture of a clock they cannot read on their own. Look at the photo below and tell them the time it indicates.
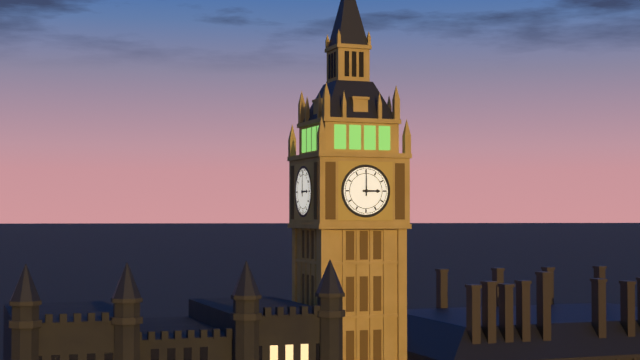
3:00
